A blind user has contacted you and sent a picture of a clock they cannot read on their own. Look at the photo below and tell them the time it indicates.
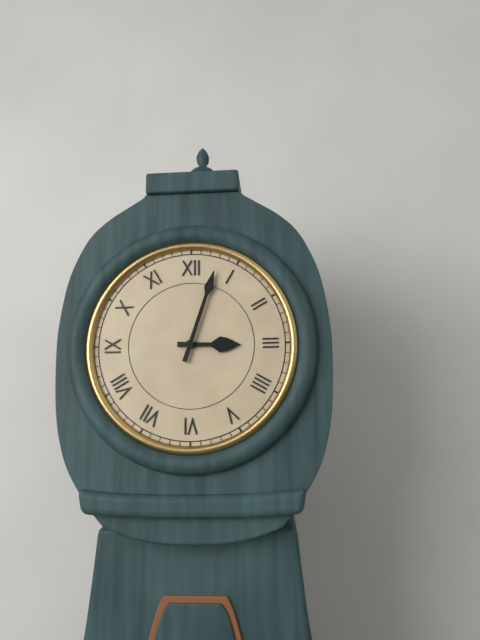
3:03
